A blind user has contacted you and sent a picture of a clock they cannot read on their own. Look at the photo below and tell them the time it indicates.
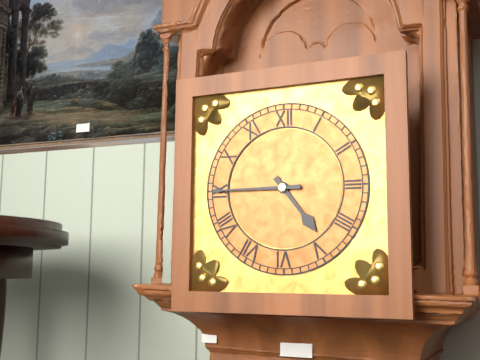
4:45
